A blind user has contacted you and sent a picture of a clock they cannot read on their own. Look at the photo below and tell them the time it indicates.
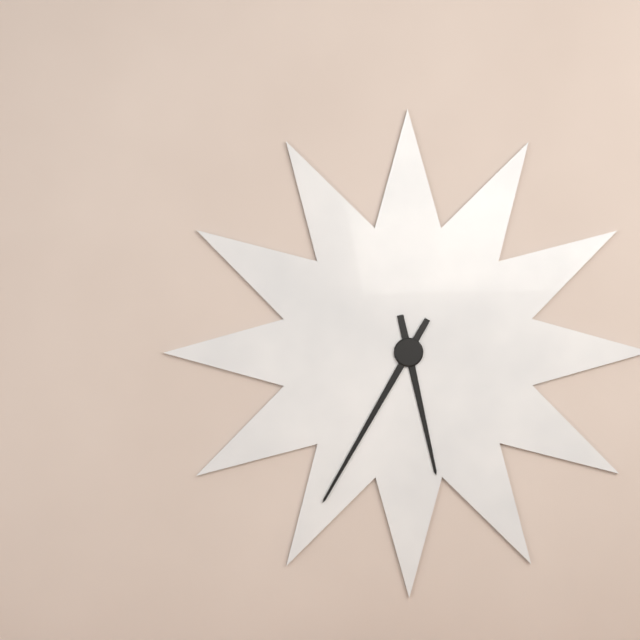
5:35
